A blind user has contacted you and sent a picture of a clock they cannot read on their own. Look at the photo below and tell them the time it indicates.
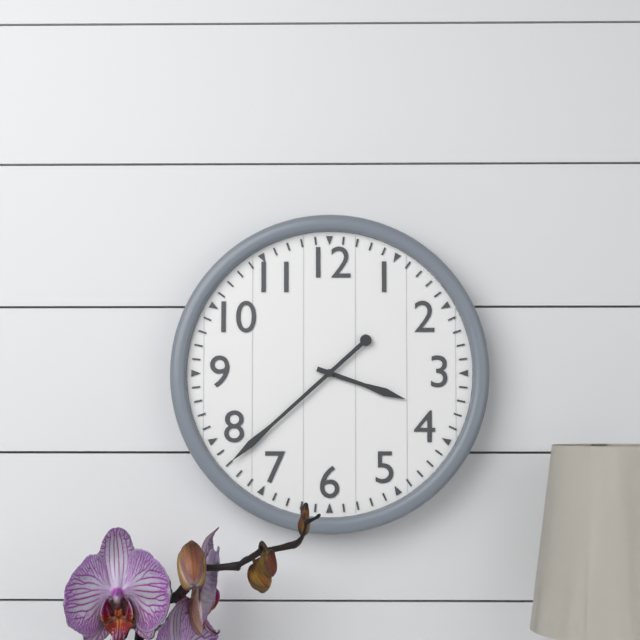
3:38
